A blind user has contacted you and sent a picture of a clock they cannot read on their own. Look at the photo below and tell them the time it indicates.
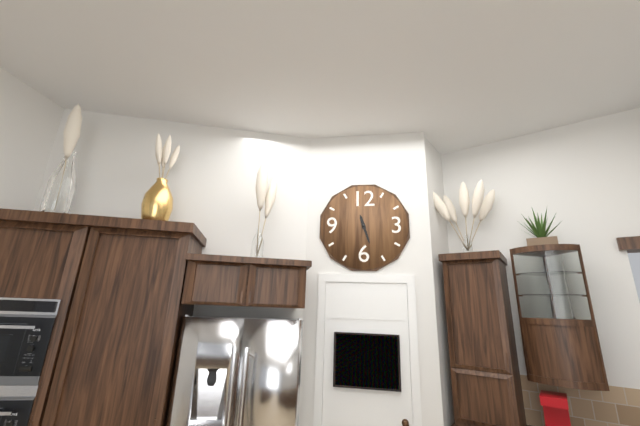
11:27
